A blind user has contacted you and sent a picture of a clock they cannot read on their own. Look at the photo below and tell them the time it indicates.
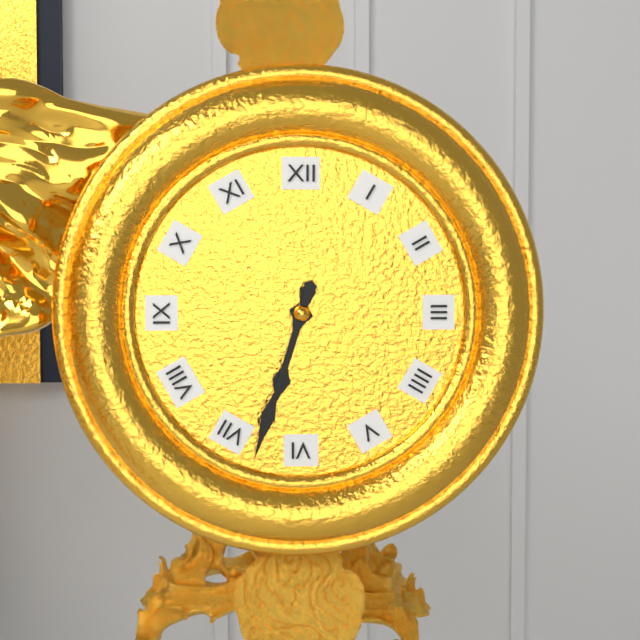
6:33
